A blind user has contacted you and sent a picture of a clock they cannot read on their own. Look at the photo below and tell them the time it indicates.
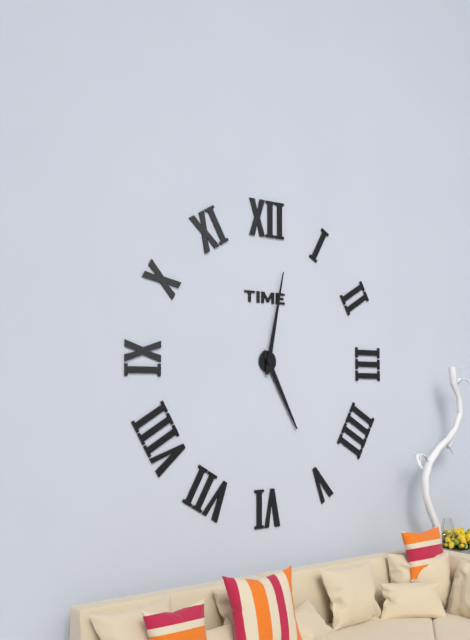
5:02
